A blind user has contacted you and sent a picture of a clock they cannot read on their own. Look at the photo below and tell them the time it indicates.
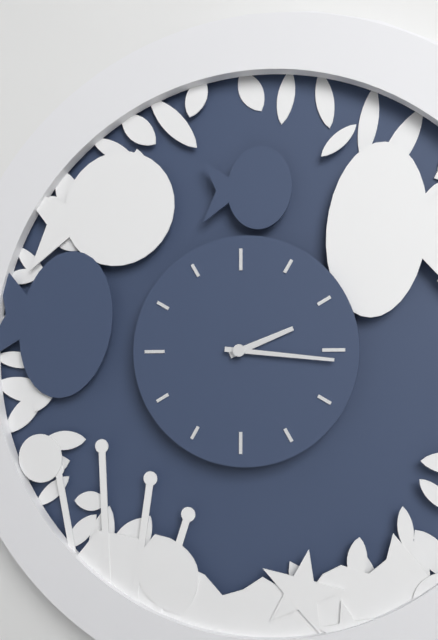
2:16
